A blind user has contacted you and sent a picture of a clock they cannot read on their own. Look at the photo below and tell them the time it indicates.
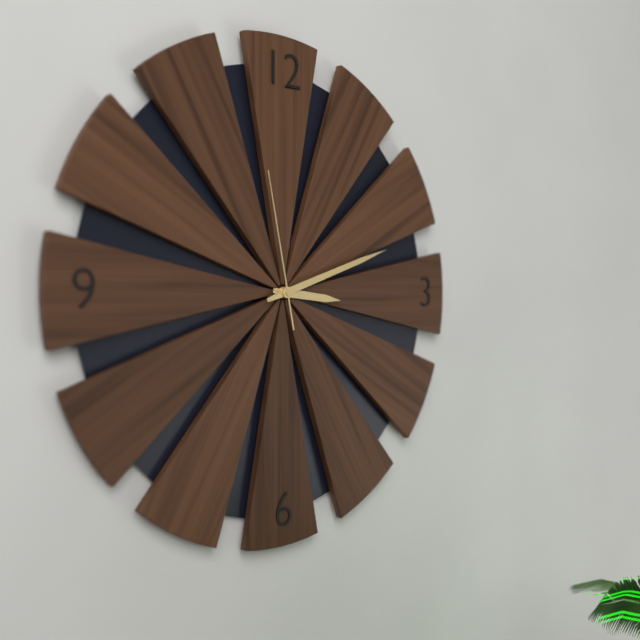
3:12:58
